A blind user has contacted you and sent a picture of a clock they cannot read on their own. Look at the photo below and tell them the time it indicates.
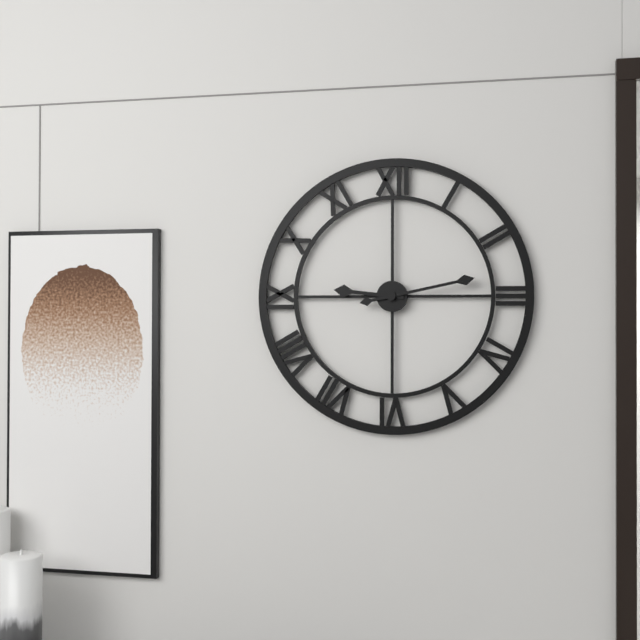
9:13
